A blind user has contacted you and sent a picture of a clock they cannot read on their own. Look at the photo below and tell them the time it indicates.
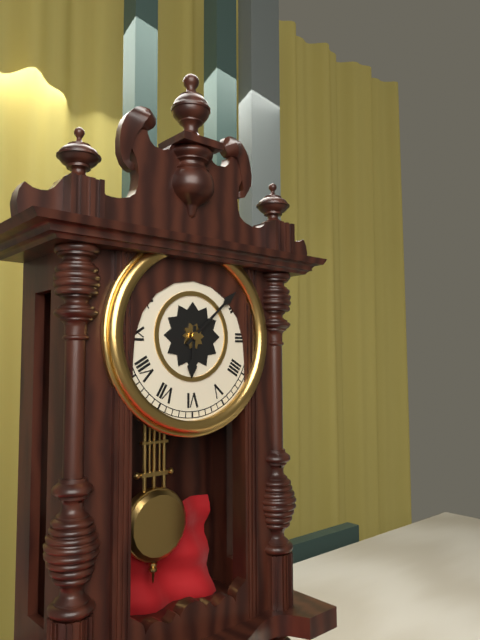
6:08
